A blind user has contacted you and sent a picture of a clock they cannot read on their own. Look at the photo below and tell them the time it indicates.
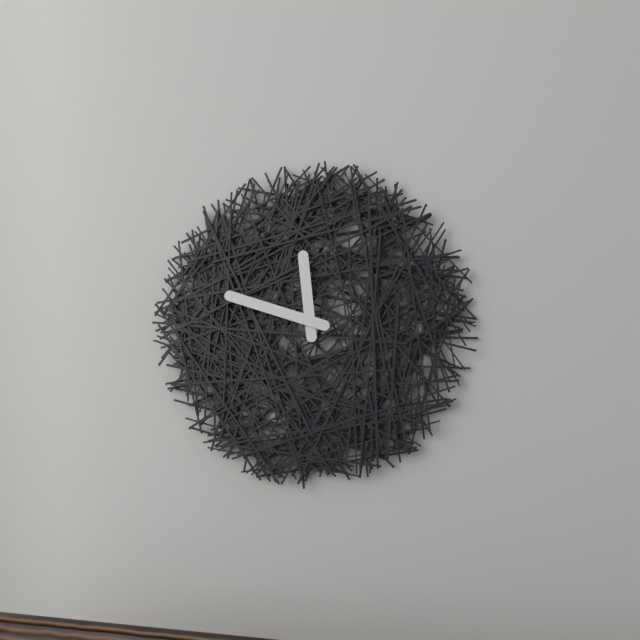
11:48
